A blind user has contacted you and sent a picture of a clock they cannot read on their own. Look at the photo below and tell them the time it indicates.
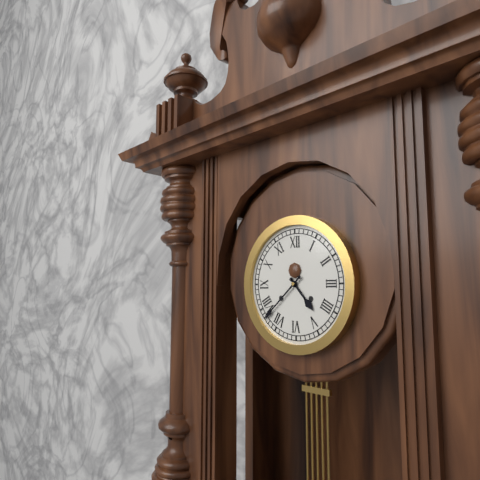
4:38
